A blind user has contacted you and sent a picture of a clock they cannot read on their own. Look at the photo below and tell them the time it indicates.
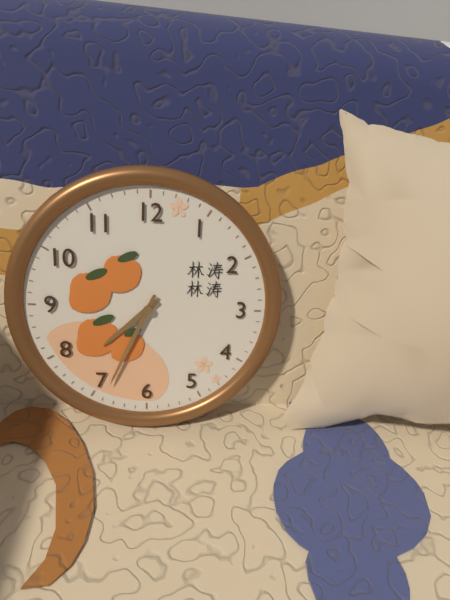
7:34
